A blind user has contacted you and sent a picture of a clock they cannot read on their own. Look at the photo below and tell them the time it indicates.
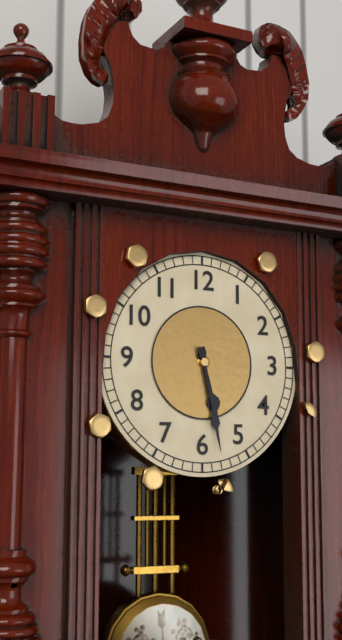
5:28
